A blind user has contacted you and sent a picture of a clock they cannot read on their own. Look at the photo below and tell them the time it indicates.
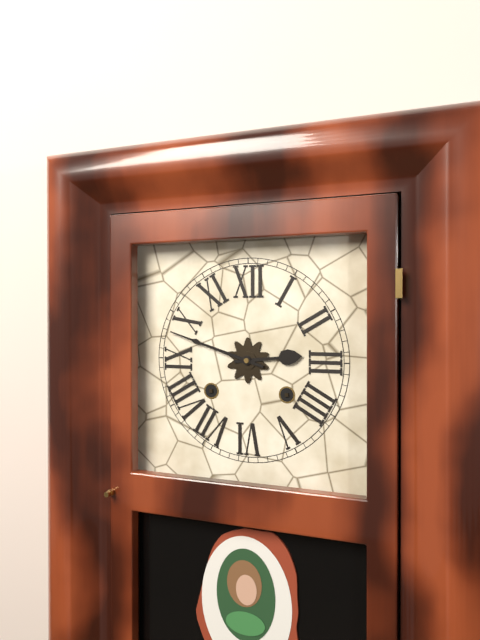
2:48
